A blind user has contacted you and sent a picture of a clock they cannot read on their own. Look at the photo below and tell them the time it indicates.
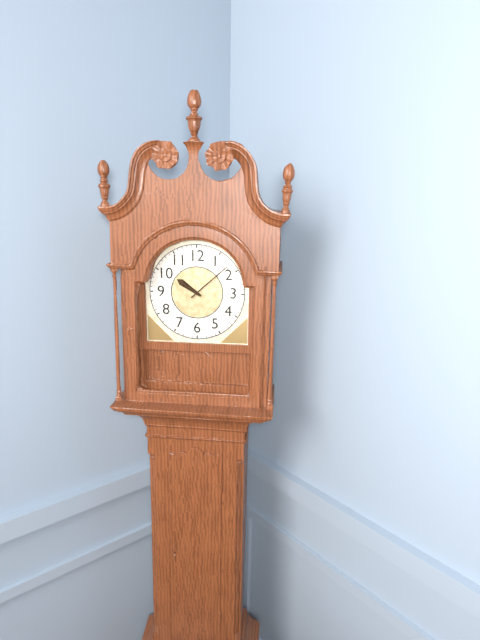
10:08
